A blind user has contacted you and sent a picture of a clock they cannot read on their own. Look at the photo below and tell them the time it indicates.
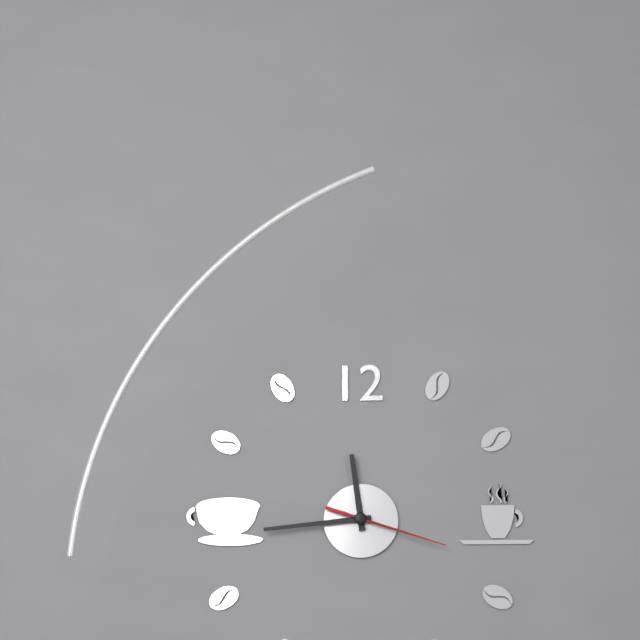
11:44:18
